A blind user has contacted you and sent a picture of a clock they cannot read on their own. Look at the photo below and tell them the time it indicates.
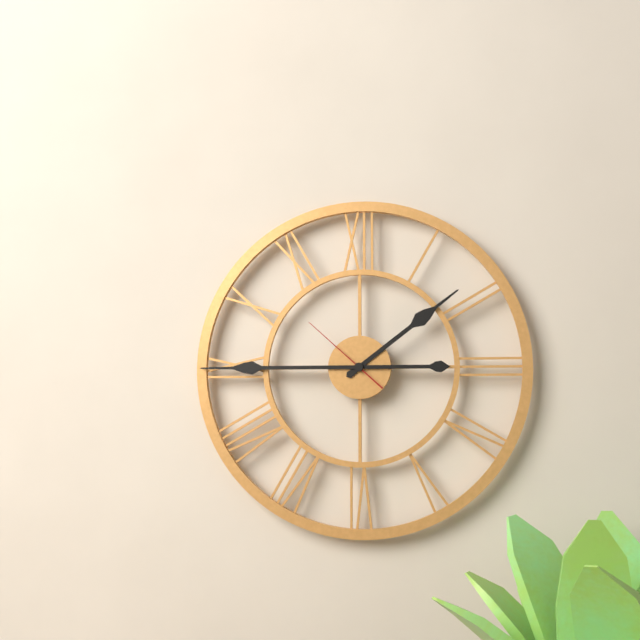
1:45:52
